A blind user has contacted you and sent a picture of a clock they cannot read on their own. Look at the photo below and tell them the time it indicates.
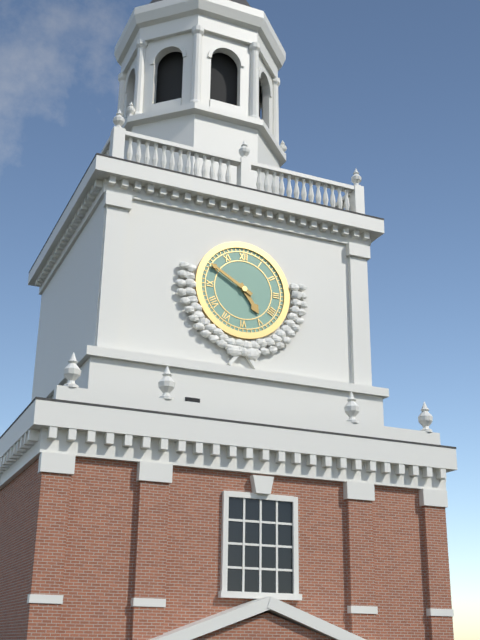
4:50
